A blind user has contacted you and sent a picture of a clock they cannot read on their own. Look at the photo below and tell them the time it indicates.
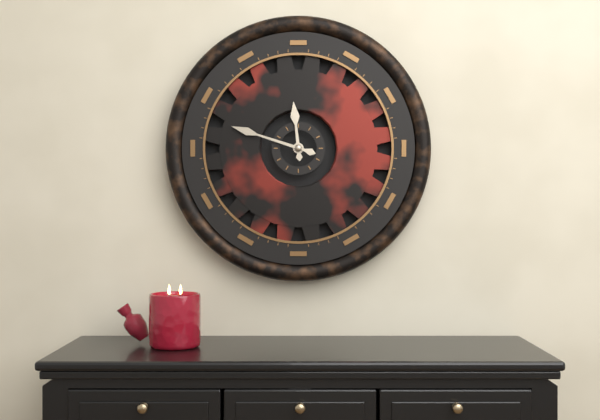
11:48
